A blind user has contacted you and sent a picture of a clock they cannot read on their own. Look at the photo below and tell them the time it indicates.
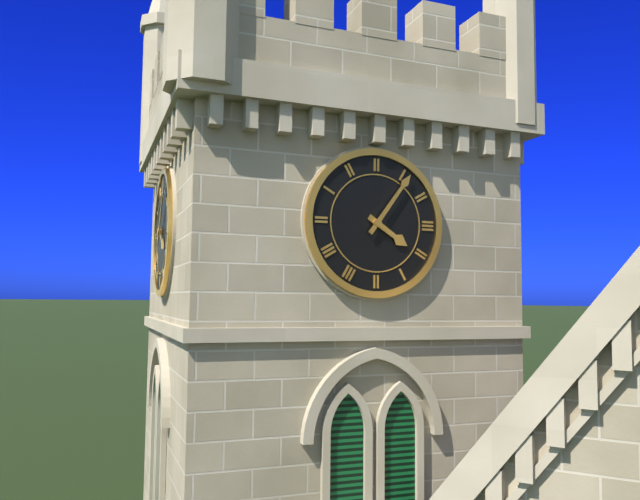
4:06
